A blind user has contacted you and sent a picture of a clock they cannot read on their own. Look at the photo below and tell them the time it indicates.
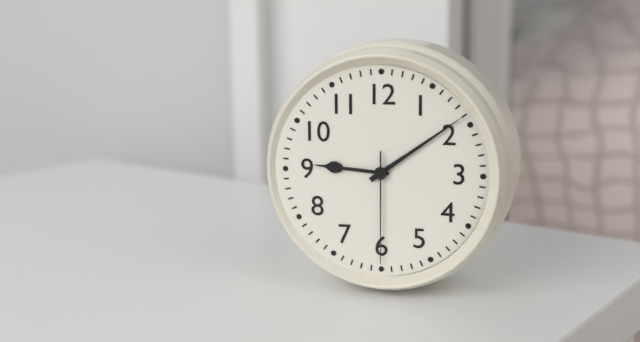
9:09:30
